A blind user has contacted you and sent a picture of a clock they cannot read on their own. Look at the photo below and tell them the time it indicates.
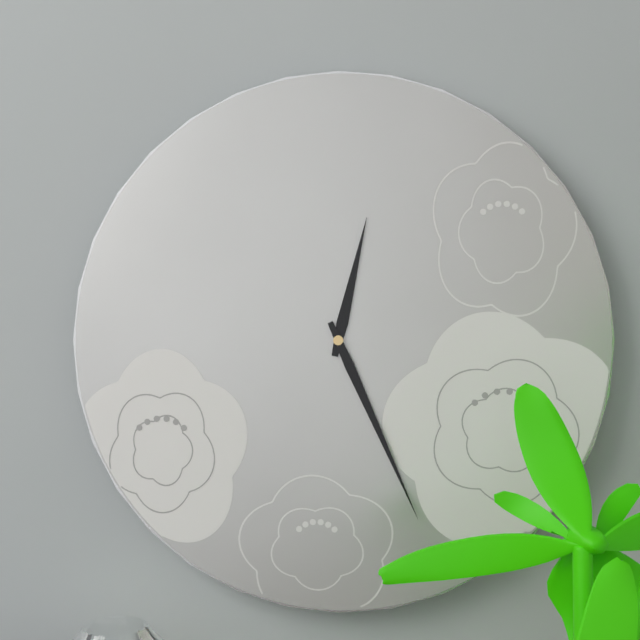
12:26
